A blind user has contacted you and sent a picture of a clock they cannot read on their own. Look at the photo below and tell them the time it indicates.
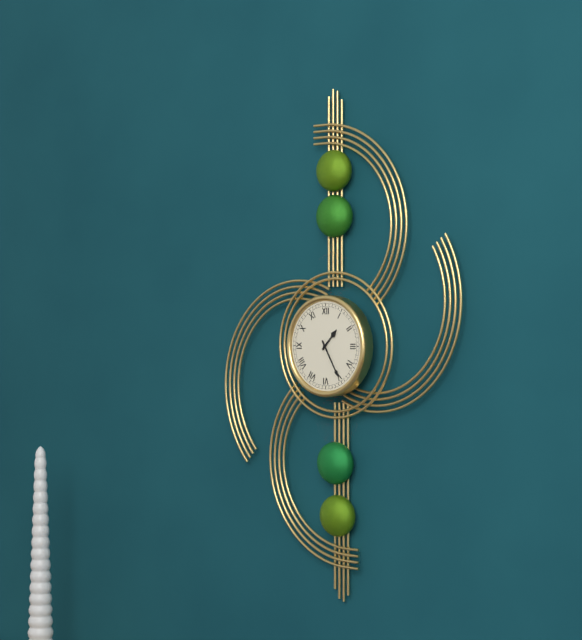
1:25
